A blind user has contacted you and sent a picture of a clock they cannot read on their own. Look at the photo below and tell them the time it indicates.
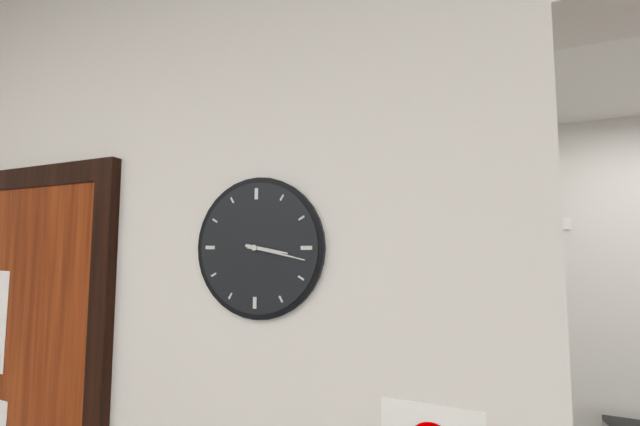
3:17
